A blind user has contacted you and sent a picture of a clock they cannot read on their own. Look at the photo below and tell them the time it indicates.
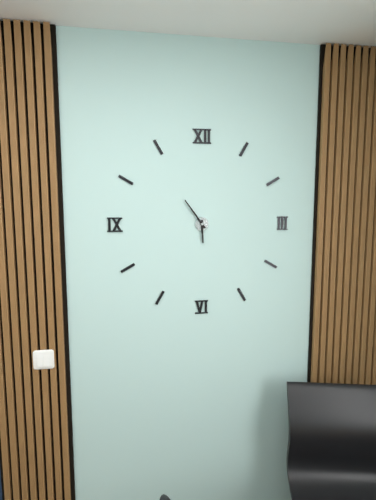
5:54
